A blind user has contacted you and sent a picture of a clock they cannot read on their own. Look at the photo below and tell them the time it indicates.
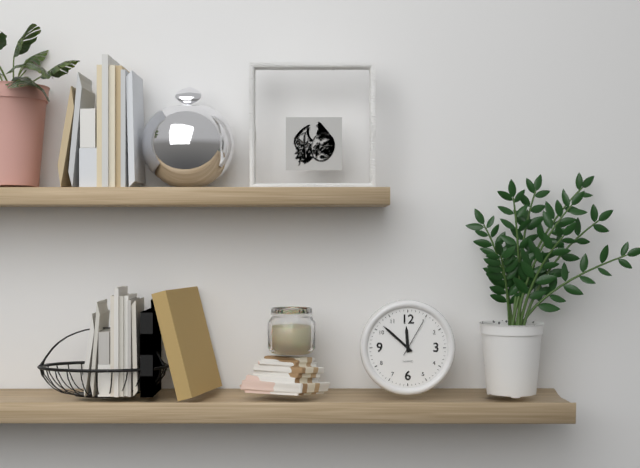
11:52
